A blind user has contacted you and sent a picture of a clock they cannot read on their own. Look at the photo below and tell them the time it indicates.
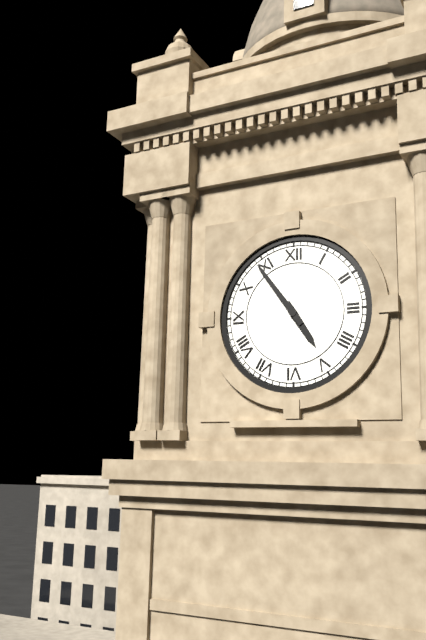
4:54
